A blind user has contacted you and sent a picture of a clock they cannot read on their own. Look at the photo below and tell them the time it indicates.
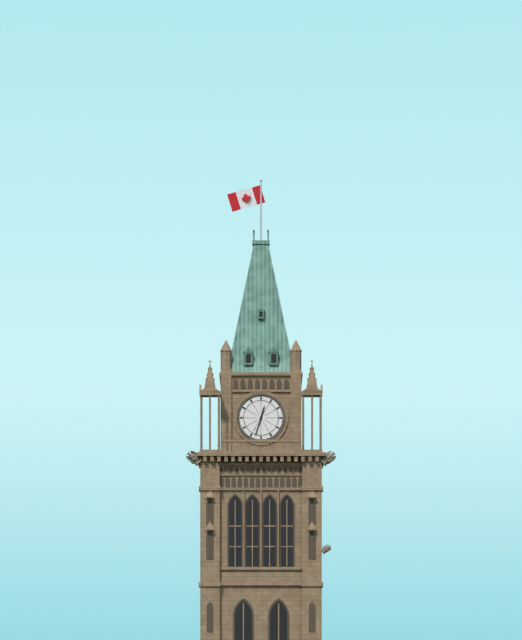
12:33
